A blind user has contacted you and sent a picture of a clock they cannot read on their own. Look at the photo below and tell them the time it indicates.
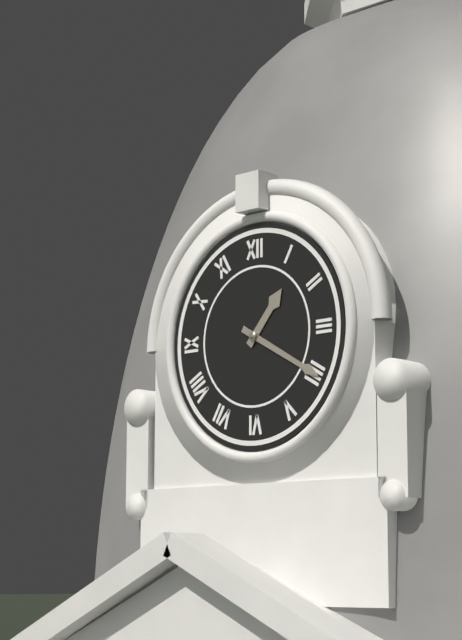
1:20
